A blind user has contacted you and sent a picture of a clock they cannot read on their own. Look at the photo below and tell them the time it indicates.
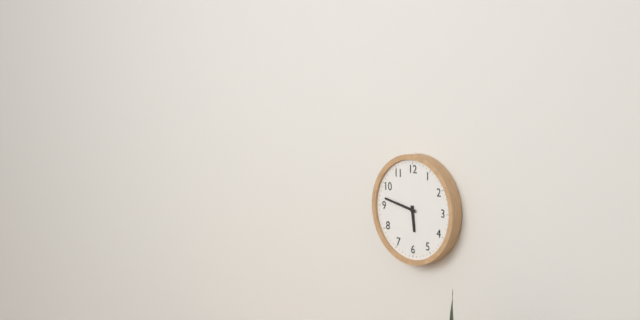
5:47
